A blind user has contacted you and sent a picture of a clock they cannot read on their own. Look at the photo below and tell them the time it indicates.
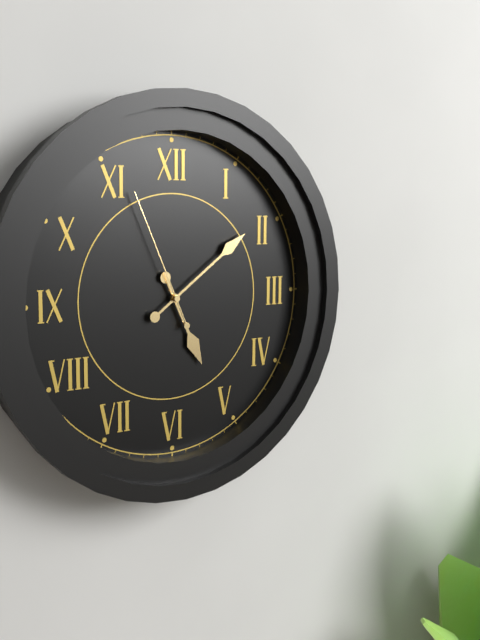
5:09:56
